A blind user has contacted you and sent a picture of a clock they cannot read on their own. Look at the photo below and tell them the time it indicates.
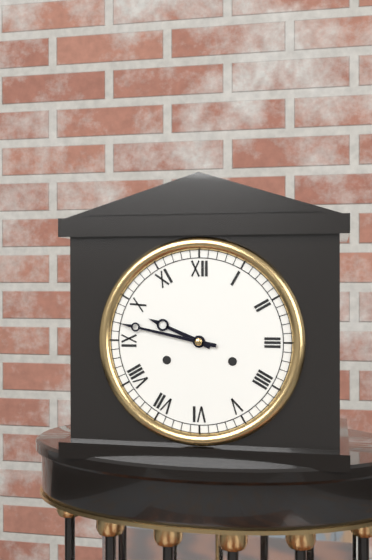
9:47
